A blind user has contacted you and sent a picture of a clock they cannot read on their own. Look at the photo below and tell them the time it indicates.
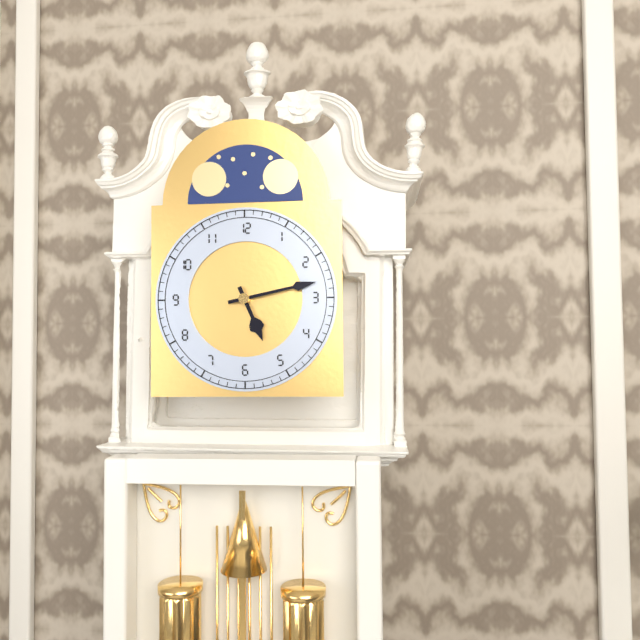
5:13
